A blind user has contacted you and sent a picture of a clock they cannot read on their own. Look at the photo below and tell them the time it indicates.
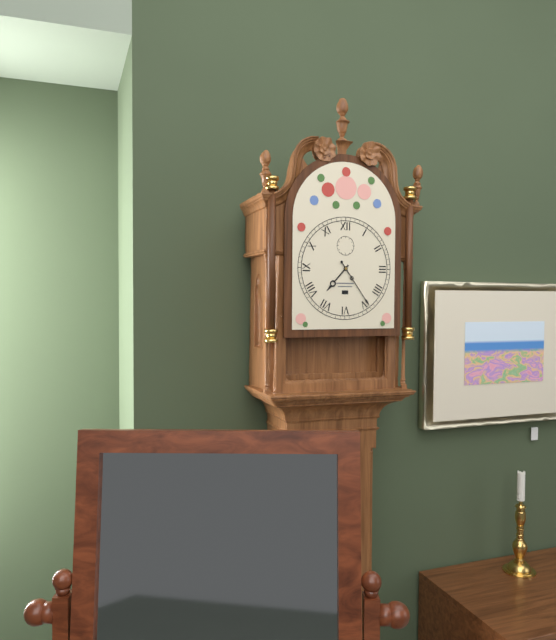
7:24
